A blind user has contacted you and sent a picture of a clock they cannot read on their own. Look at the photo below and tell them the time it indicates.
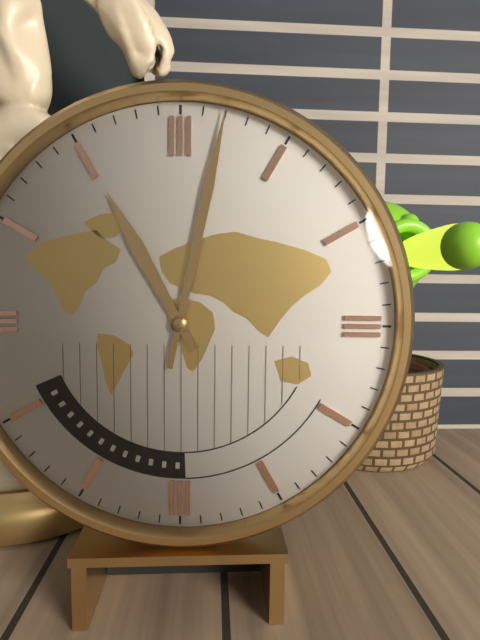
11:02
